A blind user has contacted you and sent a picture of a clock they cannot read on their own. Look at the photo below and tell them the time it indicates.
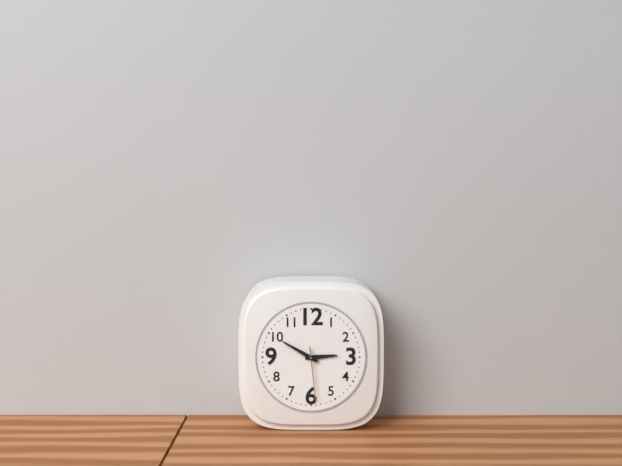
2:50:29
